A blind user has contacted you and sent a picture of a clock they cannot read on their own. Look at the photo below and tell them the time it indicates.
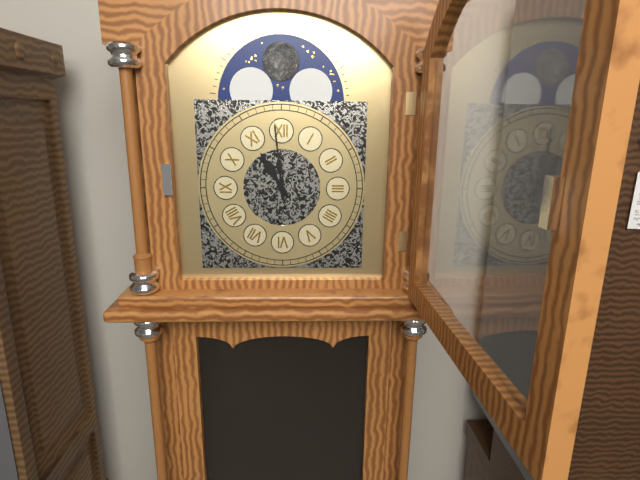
10:59
